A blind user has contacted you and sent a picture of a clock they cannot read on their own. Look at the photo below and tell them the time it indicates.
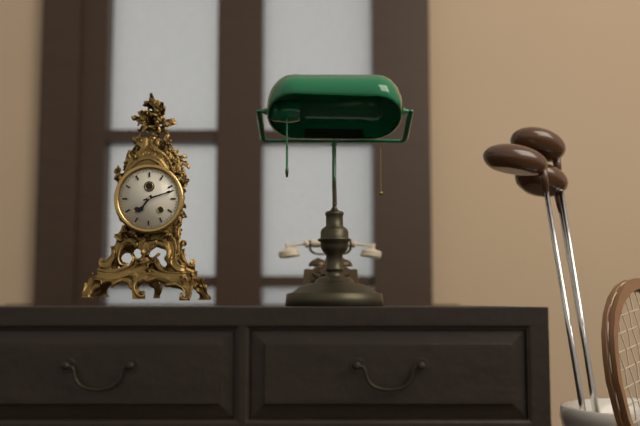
7:12
